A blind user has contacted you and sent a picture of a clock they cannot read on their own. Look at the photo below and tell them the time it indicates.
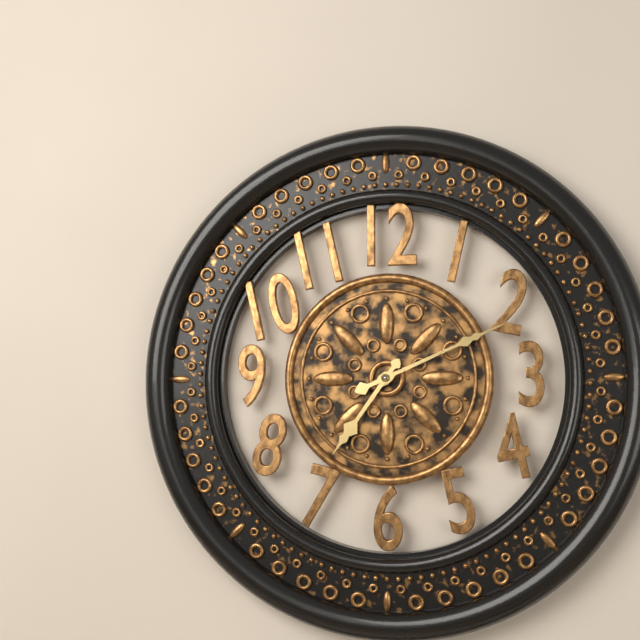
7:11
